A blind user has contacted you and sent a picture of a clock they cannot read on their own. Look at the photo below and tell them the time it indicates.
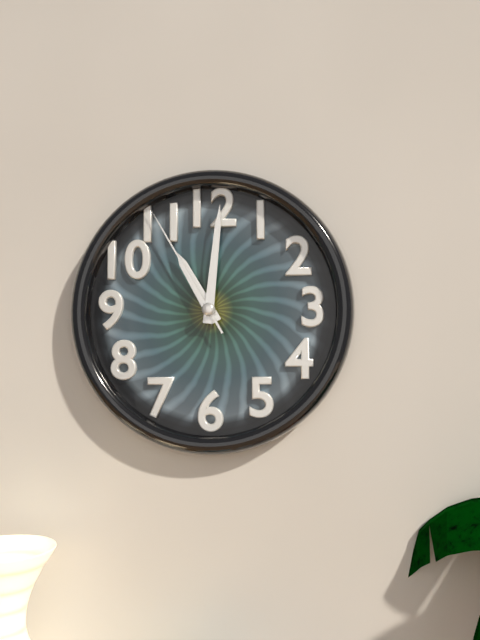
11:01:55
